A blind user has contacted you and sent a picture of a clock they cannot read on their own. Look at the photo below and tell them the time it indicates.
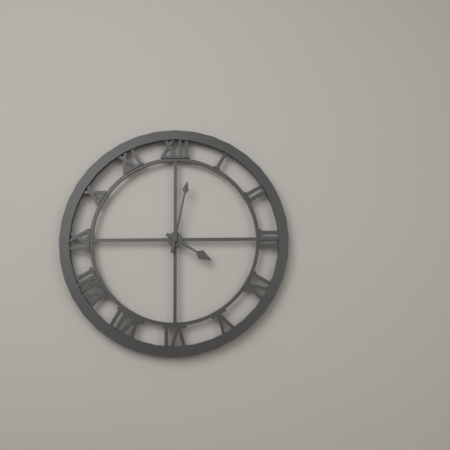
4:02
